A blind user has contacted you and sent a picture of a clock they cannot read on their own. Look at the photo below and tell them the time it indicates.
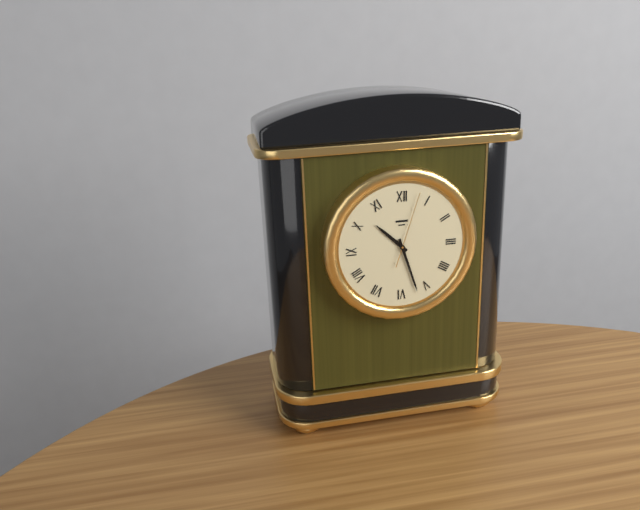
10:27:03
